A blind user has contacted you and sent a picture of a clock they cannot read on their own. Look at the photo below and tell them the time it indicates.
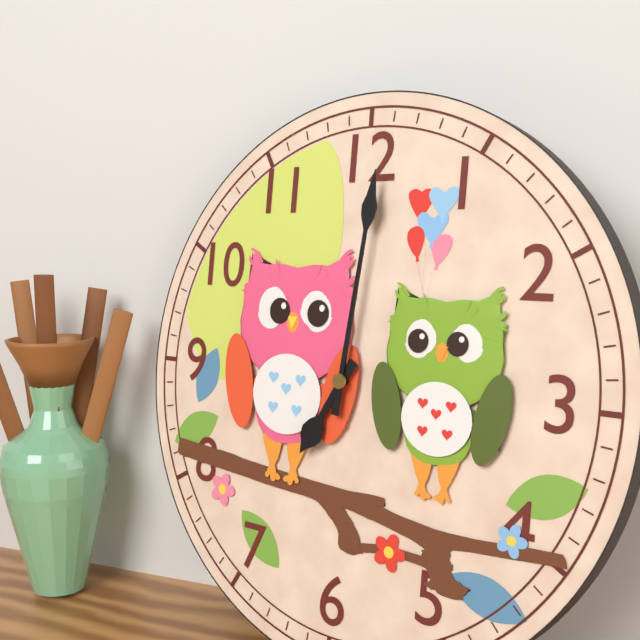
7:01
